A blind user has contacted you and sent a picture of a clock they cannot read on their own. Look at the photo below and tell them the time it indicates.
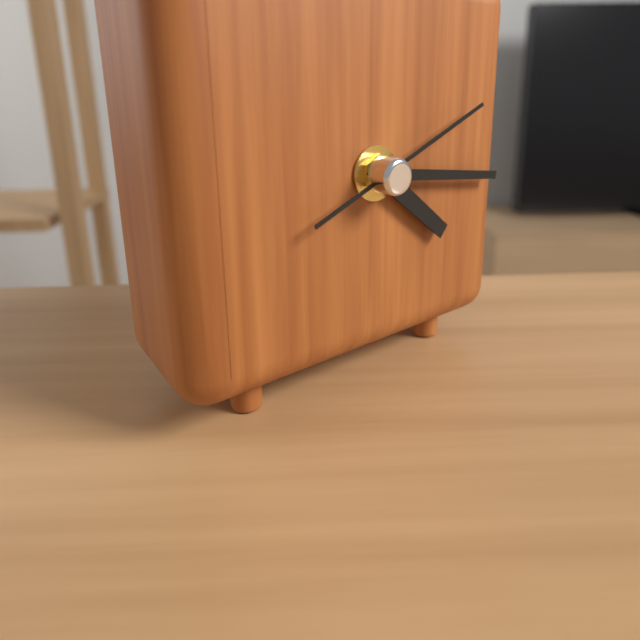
4:16:11
